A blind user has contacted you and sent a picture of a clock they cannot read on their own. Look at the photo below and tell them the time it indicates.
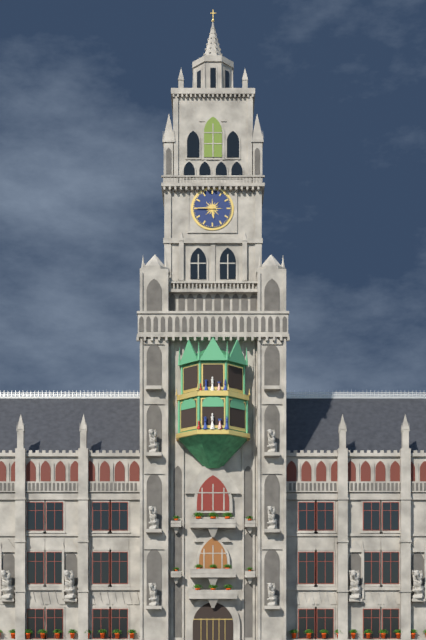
5:45
